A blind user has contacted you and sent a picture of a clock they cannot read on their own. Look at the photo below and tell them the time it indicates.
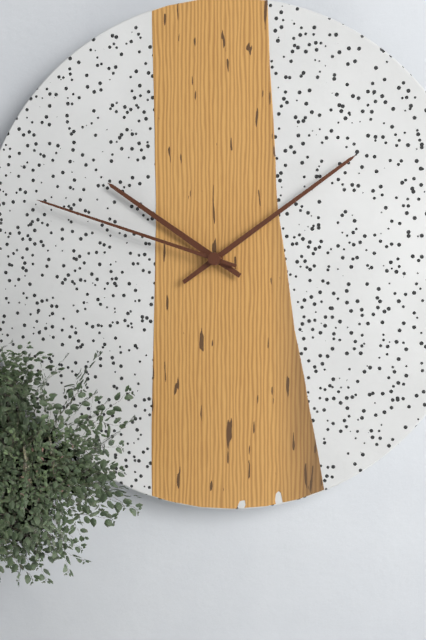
10:09:48
